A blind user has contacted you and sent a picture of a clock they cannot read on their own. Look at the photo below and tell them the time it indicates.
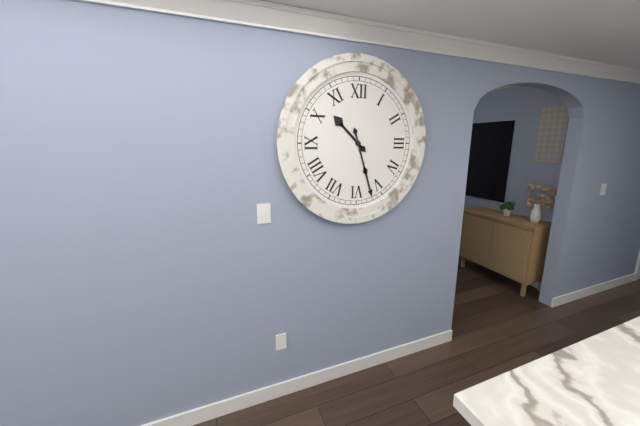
10:27
